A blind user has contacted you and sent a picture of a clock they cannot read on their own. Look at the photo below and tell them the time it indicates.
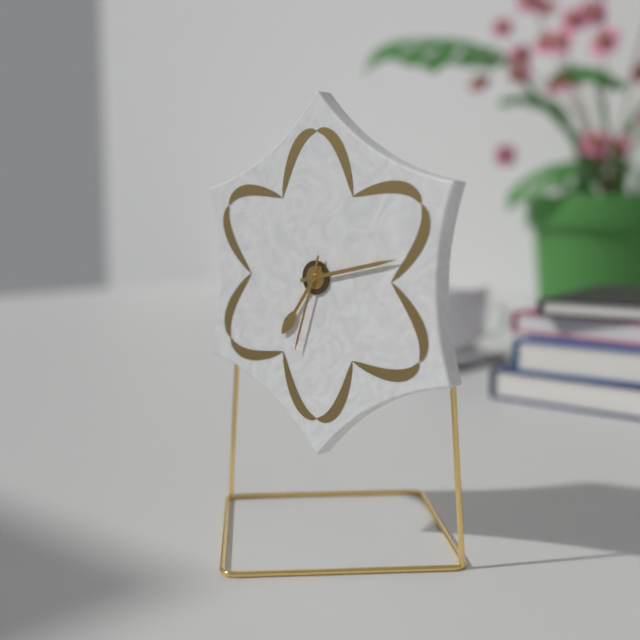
7:13:33
